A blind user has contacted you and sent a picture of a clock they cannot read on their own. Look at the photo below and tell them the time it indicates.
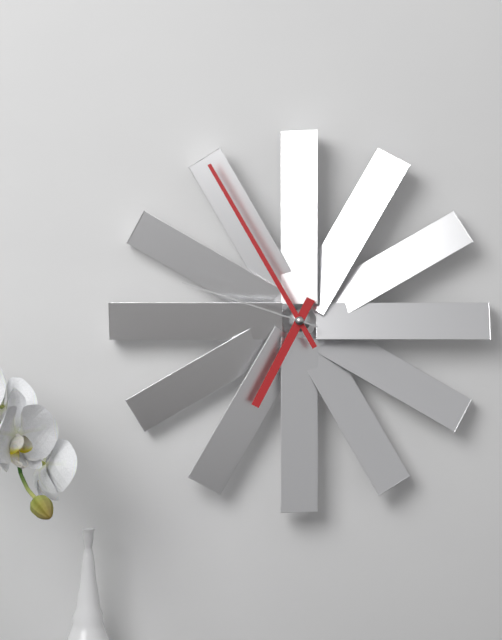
6:55:48
